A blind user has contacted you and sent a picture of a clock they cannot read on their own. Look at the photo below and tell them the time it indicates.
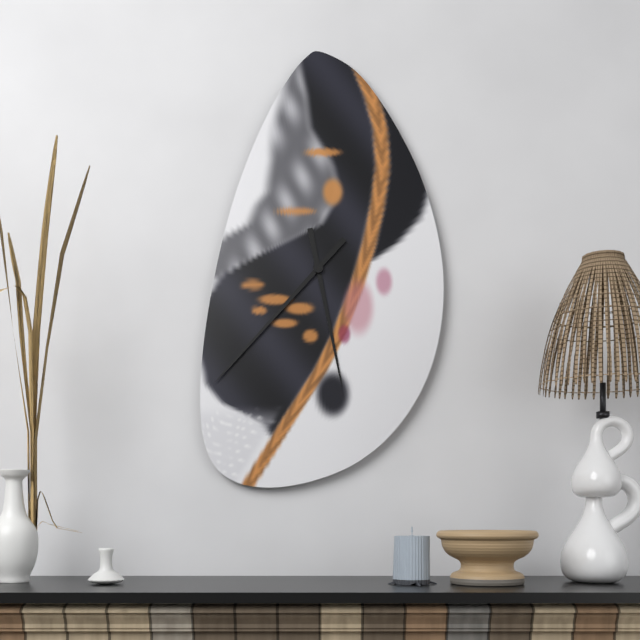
5:37
